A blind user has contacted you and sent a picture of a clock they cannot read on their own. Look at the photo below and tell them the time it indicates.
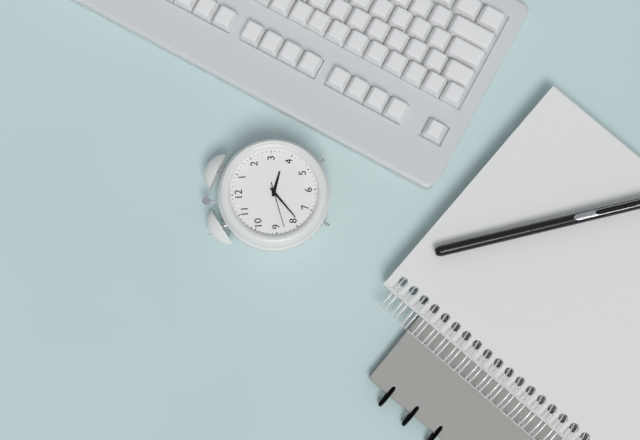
3:39
